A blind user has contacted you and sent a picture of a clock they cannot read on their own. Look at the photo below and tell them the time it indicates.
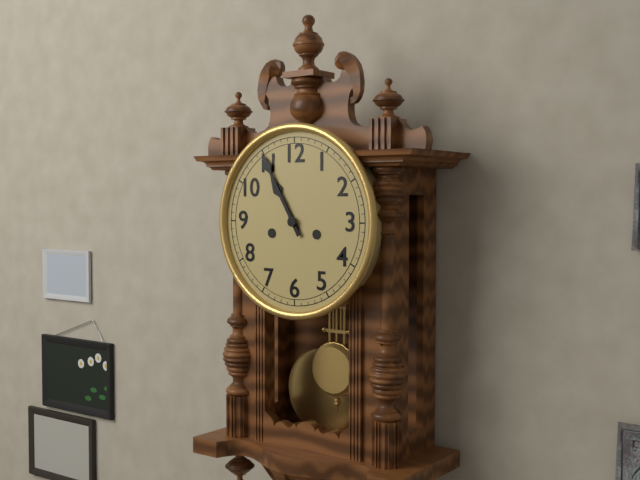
10:55
